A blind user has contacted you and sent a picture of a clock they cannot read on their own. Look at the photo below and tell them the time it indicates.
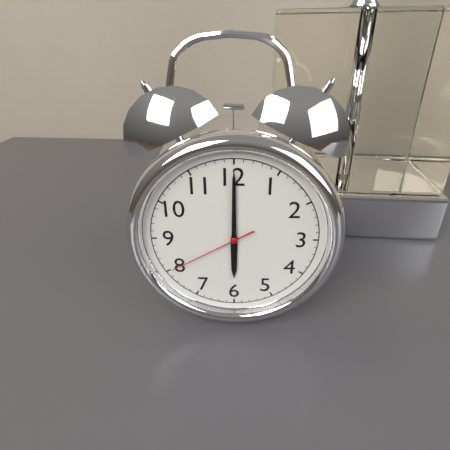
6:00:40
